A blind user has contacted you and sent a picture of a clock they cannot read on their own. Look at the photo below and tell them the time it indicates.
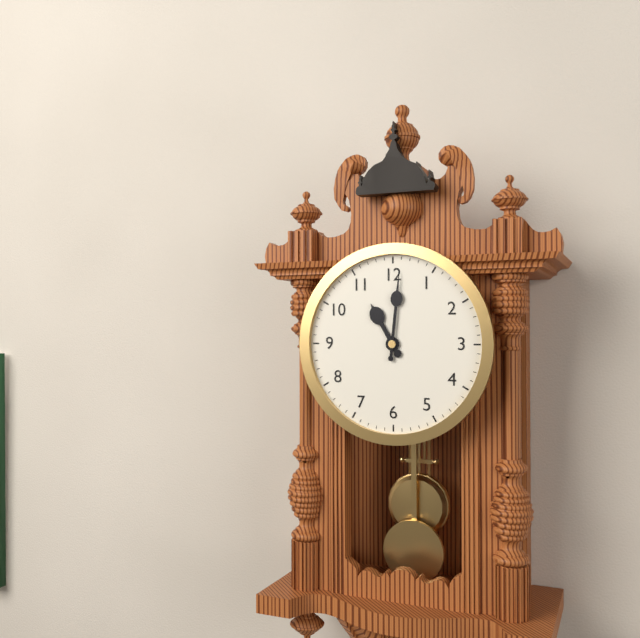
11:01
